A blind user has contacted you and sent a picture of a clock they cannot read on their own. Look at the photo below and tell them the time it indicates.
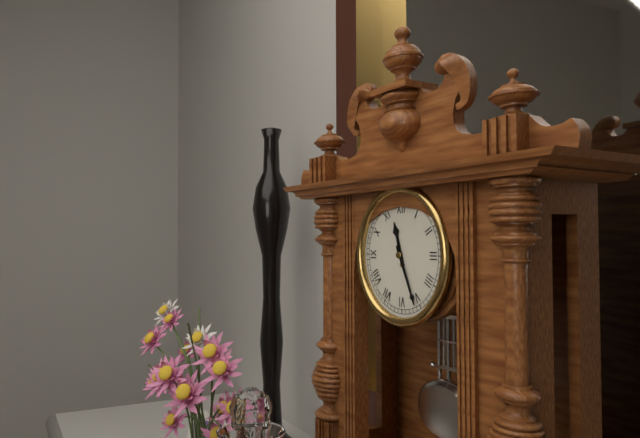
11:26
